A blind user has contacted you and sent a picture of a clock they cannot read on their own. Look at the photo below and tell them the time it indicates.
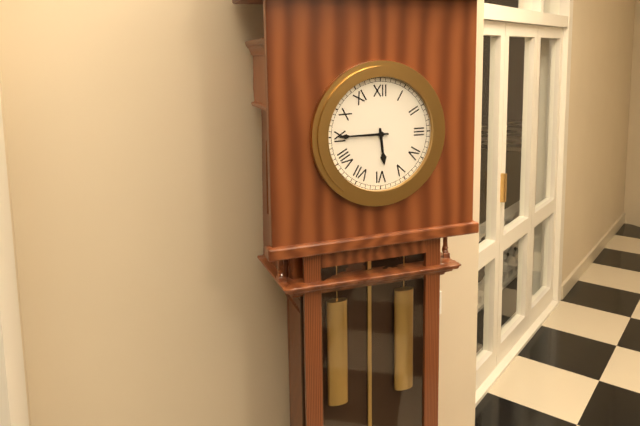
5:45
